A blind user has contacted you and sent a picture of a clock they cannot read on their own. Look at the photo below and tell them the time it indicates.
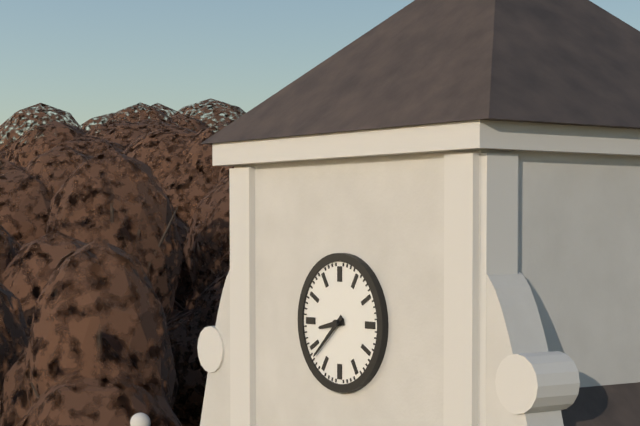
8:38
